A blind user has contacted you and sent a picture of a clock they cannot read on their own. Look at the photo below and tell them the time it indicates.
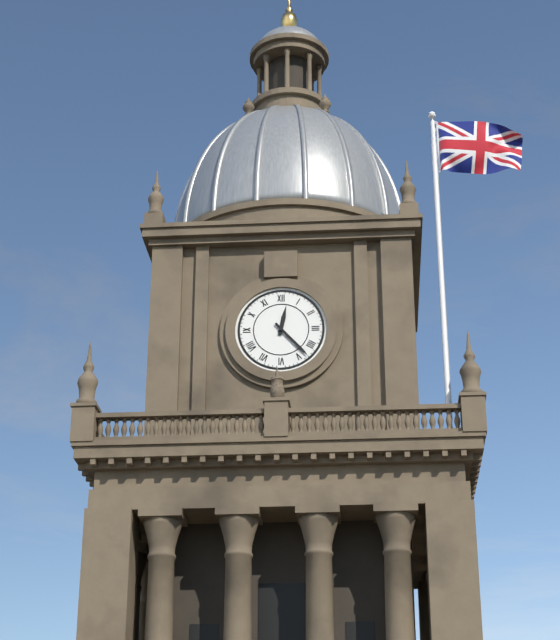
12:23
